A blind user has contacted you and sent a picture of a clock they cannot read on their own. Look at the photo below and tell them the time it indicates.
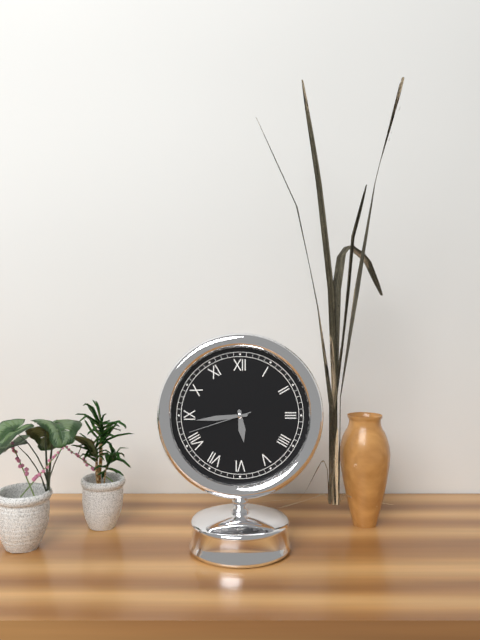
5:44:42
